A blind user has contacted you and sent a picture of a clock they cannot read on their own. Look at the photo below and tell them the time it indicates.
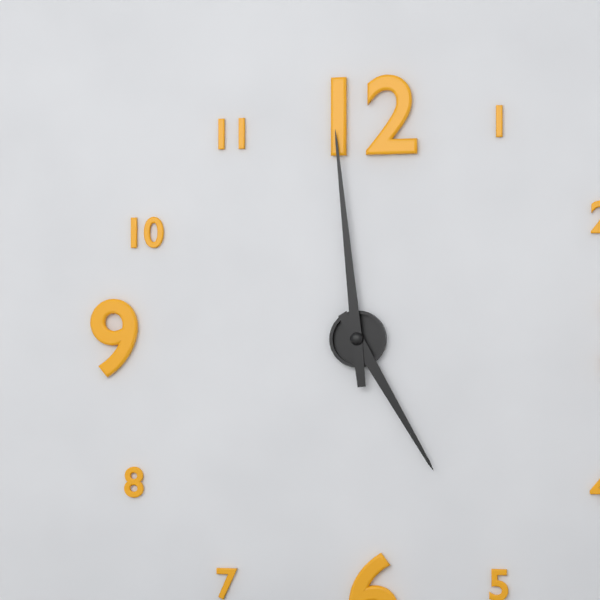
4:59
